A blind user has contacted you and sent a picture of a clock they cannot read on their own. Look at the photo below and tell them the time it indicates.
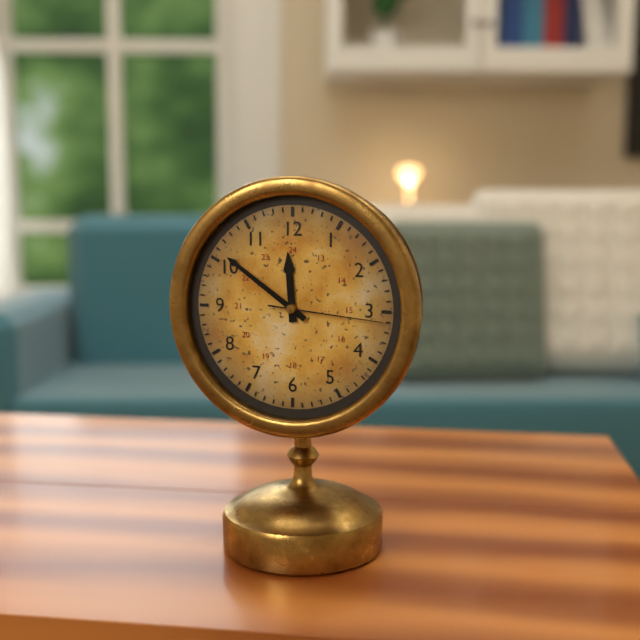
11:51:16
